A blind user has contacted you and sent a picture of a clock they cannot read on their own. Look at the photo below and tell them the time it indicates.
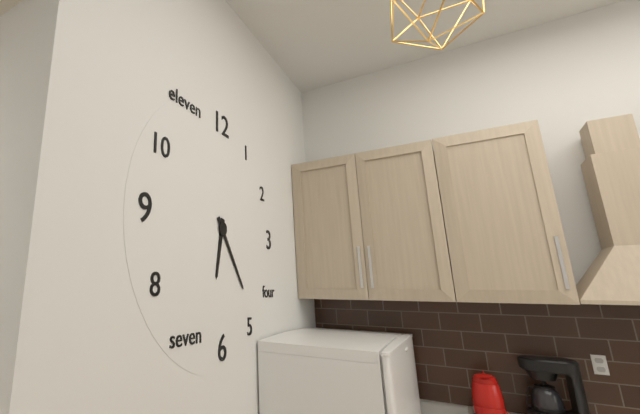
6:24
